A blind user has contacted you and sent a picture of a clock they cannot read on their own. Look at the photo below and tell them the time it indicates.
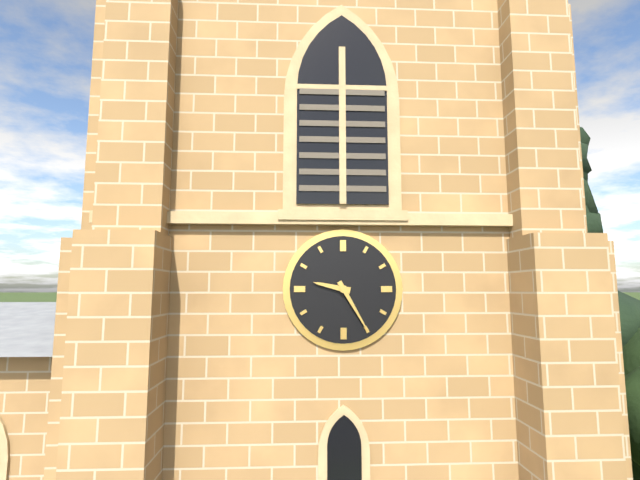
9:25
